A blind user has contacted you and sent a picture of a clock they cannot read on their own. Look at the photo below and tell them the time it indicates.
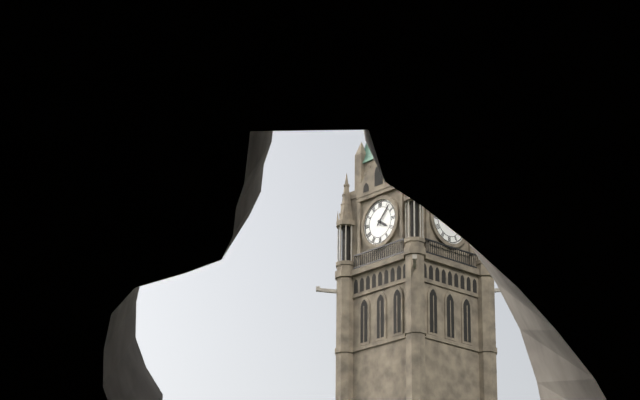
4:07
